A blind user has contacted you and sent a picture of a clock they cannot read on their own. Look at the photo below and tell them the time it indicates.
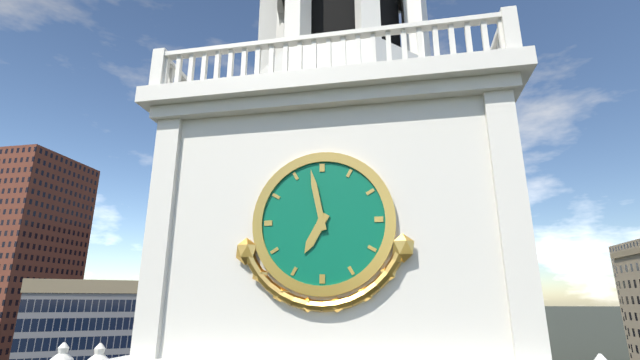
6:58
